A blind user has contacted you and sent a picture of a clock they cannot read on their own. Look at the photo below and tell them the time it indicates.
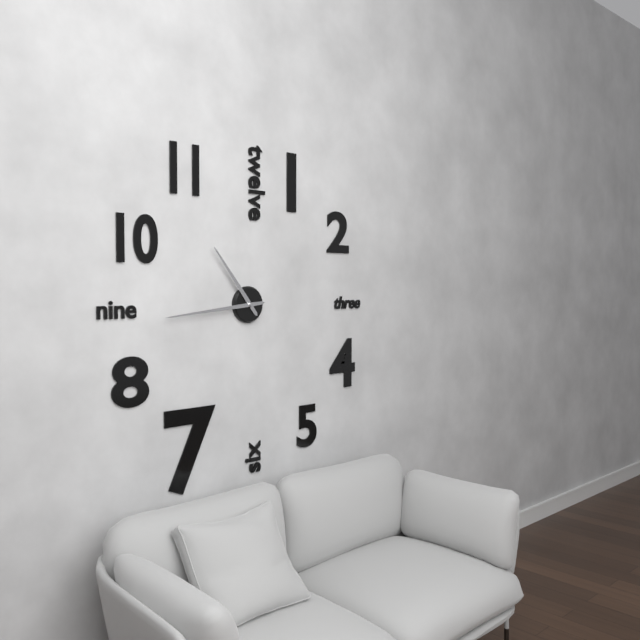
10:44
